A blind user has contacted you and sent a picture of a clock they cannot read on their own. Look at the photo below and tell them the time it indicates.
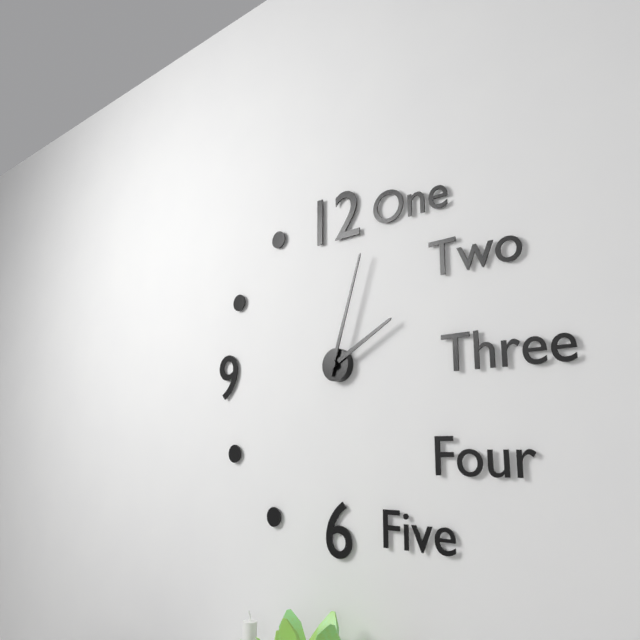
2:03
